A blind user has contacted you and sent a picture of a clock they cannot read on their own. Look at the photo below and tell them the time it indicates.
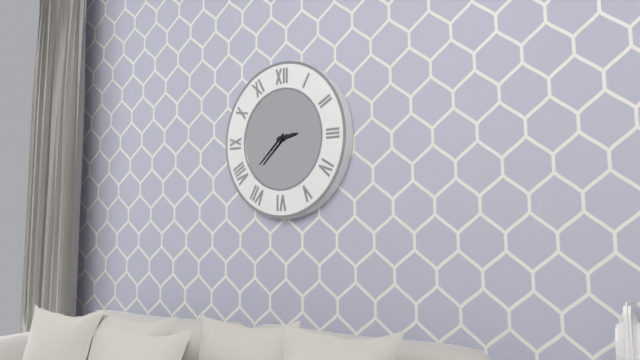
2:38
